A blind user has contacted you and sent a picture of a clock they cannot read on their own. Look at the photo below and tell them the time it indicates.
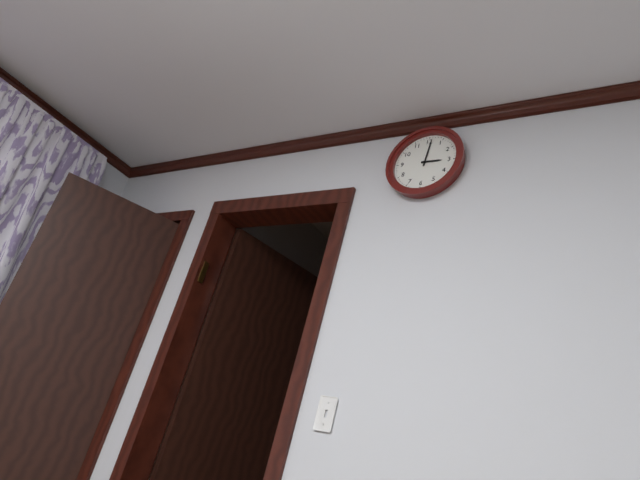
3:01
